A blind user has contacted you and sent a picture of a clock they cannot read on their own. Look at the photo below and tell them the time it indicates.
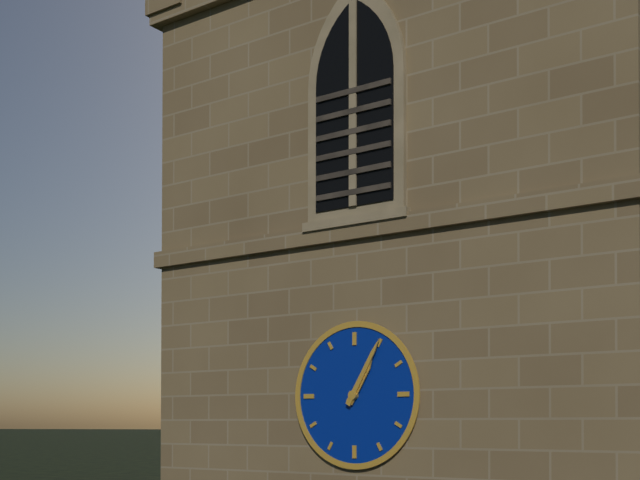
1:05
